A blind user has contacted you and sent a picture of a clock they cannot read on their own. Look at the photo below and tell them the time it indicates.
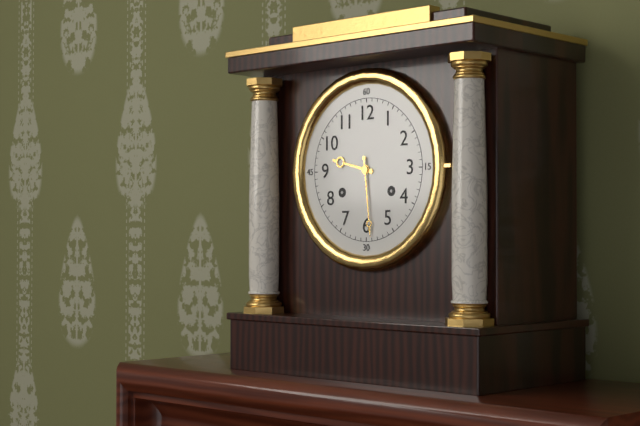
9:29
